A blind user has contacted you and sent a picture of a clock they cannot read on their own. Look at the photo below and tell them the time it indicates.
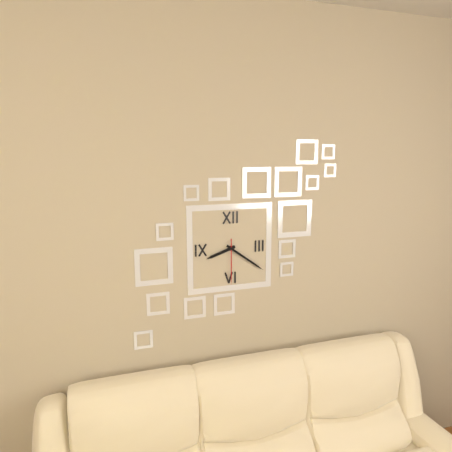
8:21
